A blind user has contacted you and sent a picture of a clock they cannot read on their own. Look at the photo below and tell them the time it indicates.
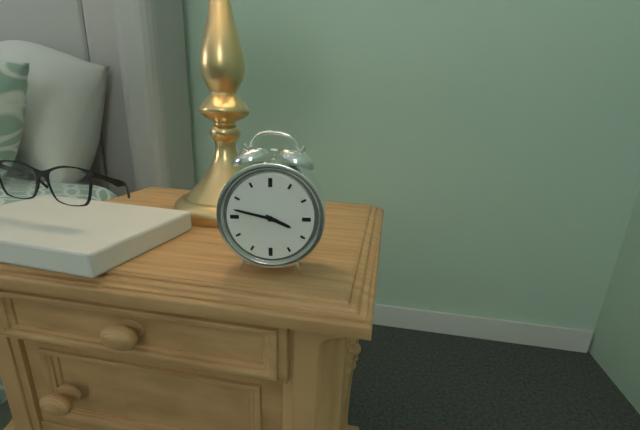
3:47
